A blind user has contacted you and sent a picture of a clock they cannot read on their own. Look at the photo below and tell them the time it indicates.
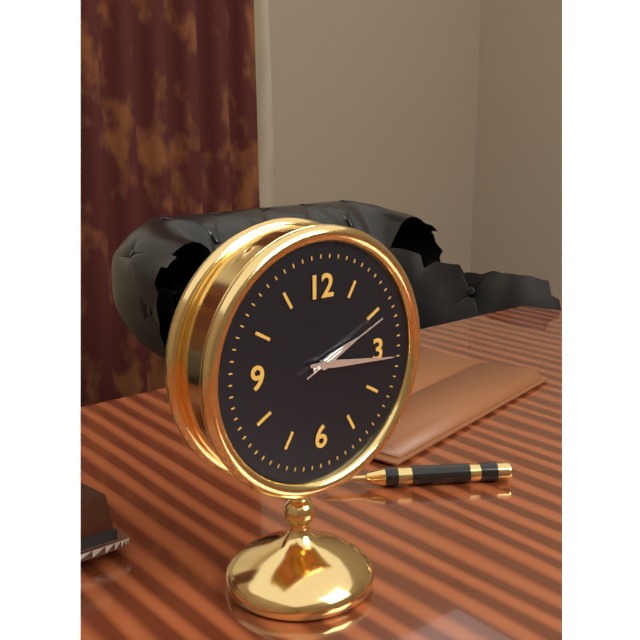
2:16:11
